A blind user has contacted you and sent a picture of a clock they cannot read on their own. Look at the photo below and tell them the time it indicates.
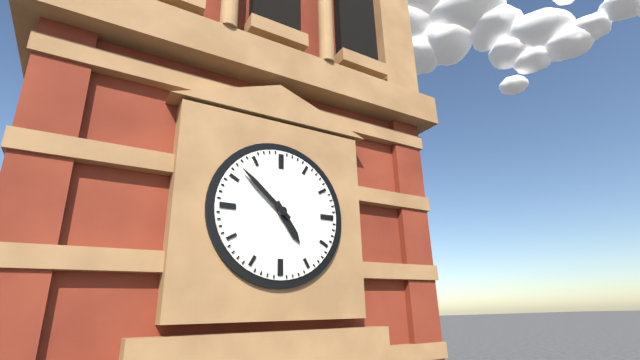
4:52
